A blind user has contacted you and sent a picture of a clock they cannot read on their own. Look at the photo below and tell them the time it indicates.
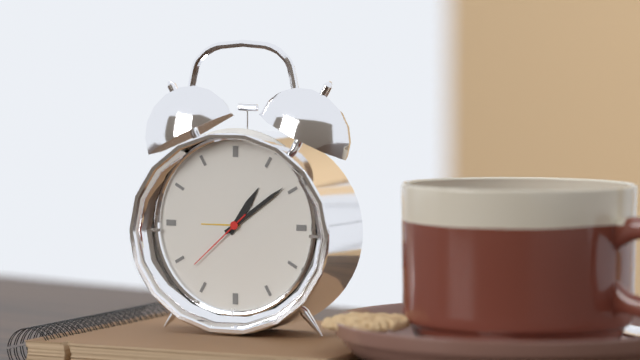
1:09:38
